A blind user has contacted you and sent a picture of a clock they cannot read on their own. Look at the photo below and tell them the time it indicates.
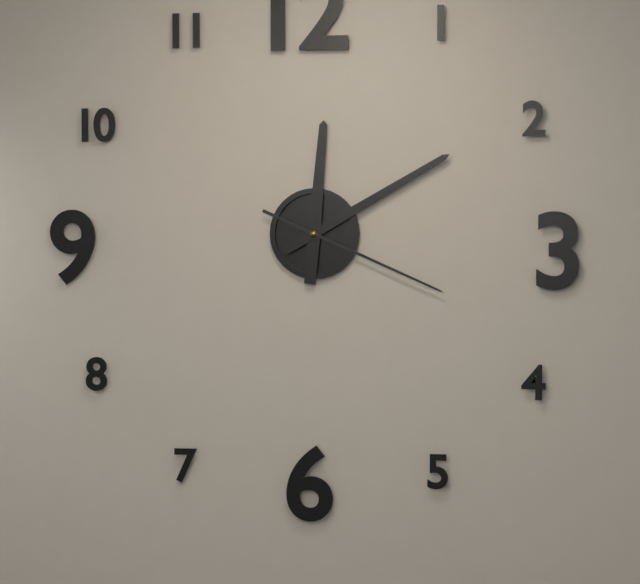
12:10:19
